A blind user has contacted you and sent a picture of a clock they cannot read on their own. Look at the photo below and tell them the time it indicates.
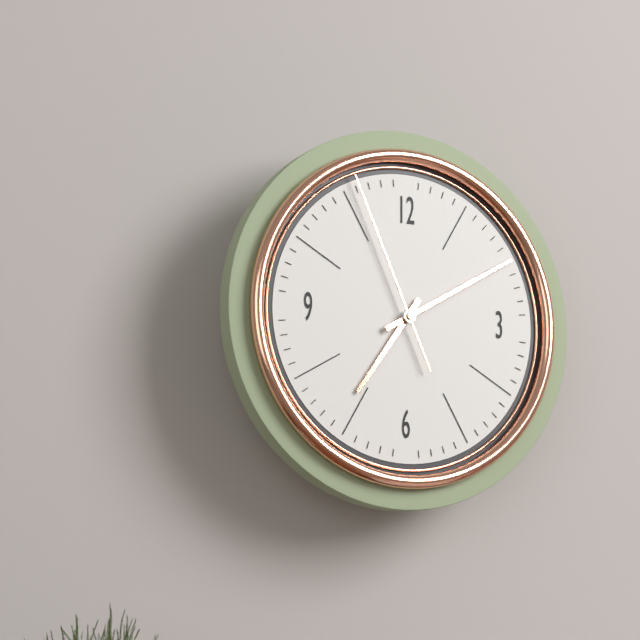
7:10:56
